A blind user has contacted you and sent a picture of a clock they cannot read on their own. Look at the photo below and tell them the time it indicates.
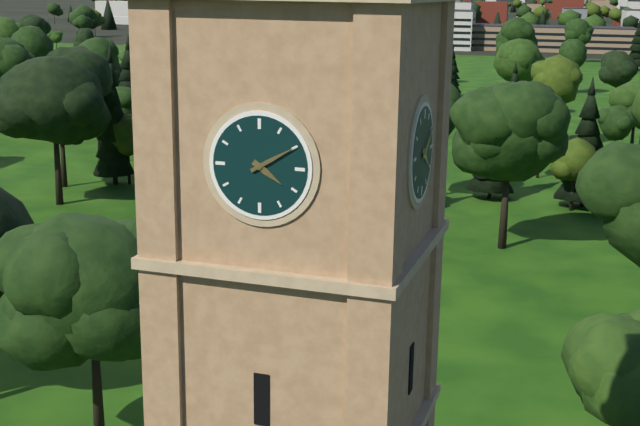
4:10
